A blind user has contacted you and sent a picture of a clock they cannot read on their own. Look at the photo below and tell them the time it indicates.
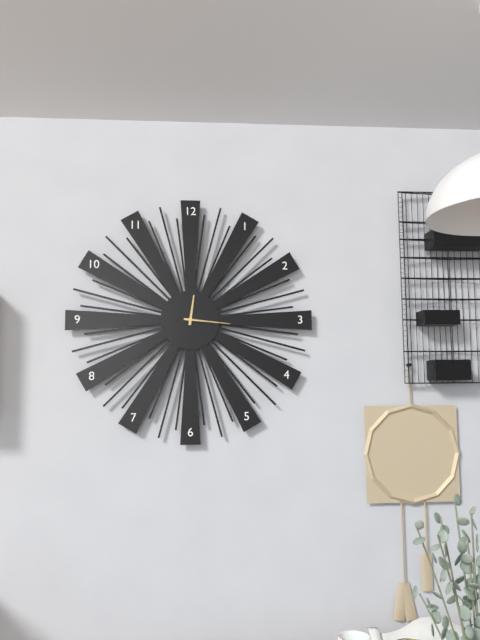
12:16
